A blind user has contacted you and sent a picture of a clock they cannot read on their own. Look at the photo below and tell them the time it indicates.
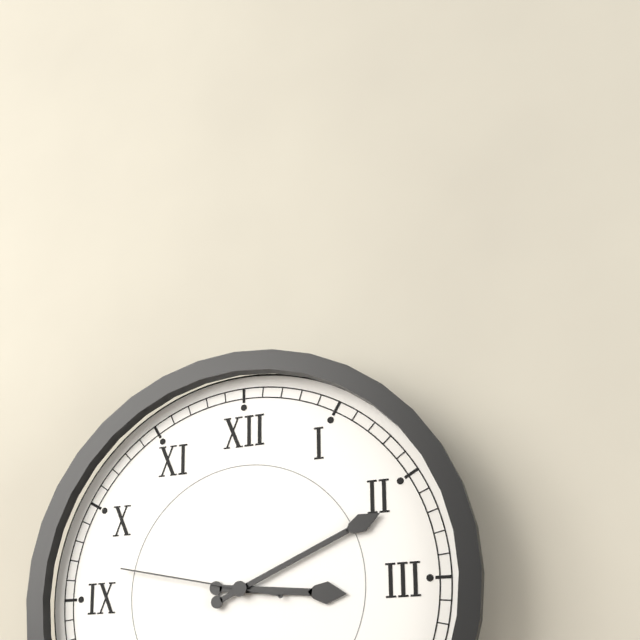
3:11:47
